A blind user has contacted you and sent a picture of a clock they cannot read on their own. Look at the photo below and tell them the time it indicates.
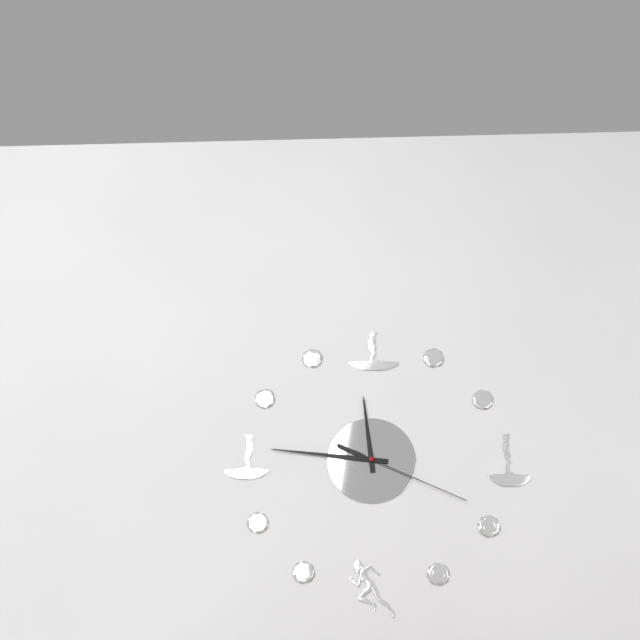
11:46:19
